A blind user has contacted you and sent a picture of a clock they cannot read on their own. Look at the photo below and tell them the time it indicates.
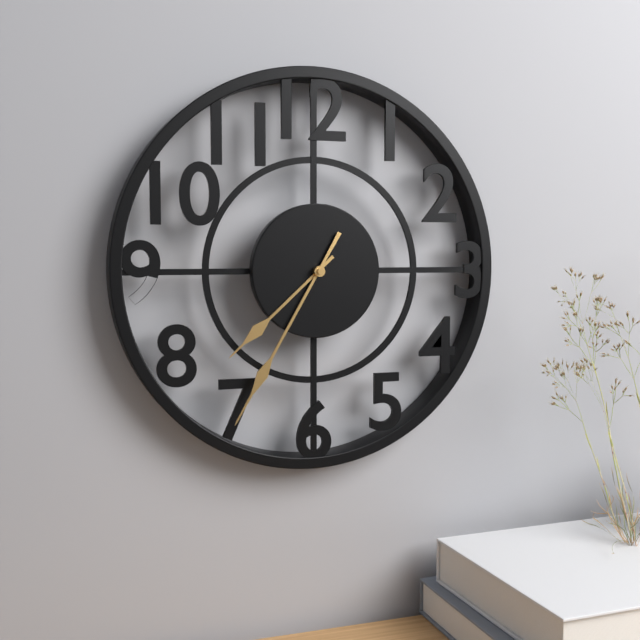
7:35
